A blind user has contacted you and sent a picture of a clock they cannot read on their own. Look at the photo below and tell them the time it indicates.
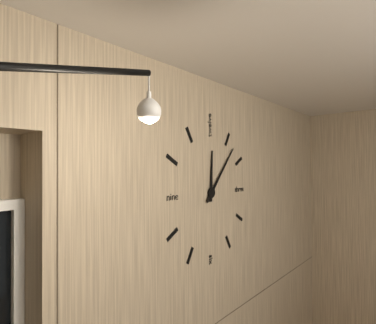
12:07
